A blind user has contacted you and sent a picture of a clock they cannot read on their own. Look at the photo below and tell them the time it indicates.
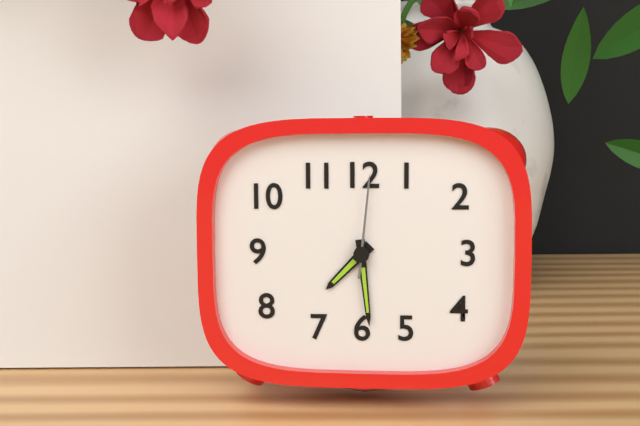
7:29:01
